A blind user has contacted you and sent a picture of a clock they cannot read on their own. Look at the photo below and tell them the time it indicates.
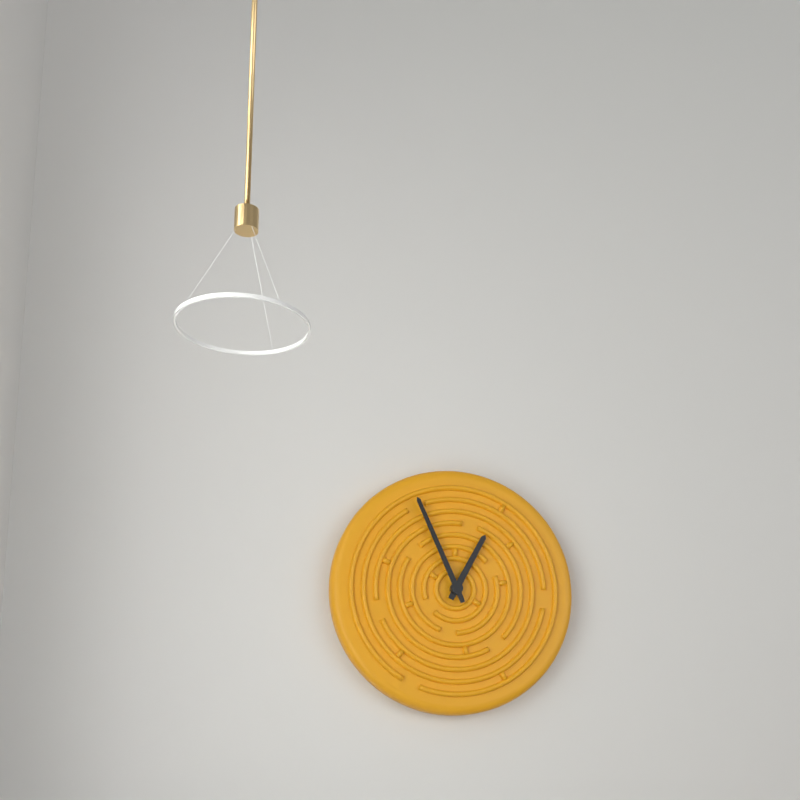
12:56
